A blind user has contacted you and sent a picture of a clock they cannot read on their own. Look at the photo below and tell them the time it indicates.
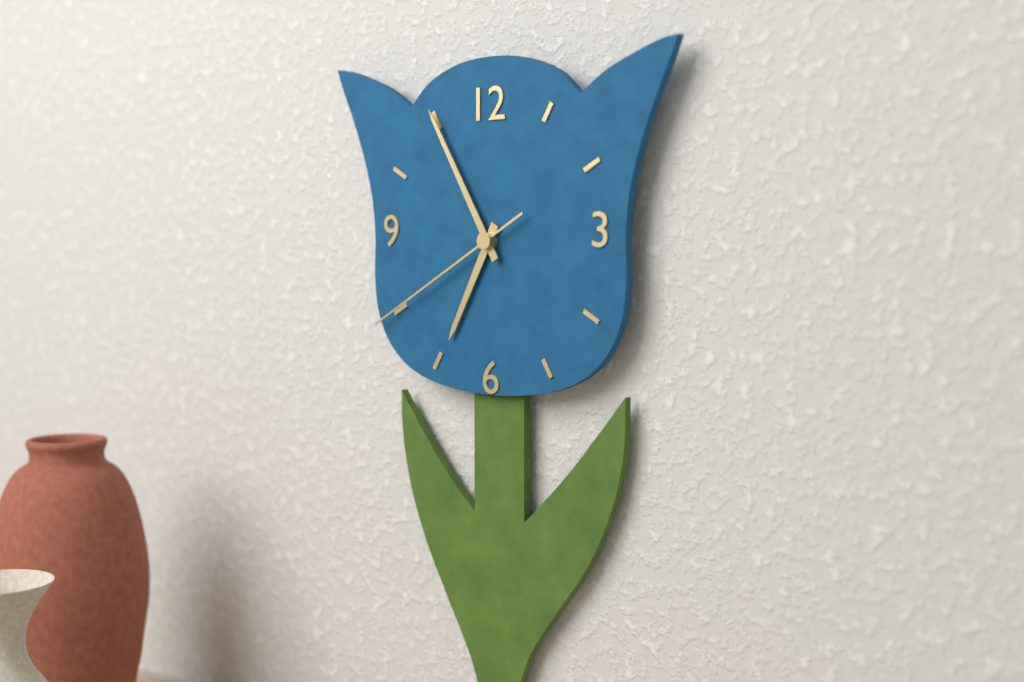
6:55:40
